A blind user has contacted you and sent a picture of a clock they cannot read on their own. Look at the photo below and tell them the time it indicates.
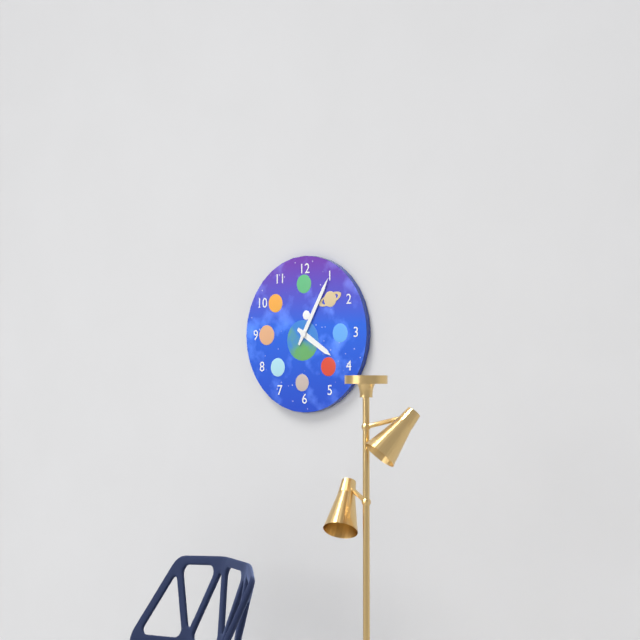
4:05
